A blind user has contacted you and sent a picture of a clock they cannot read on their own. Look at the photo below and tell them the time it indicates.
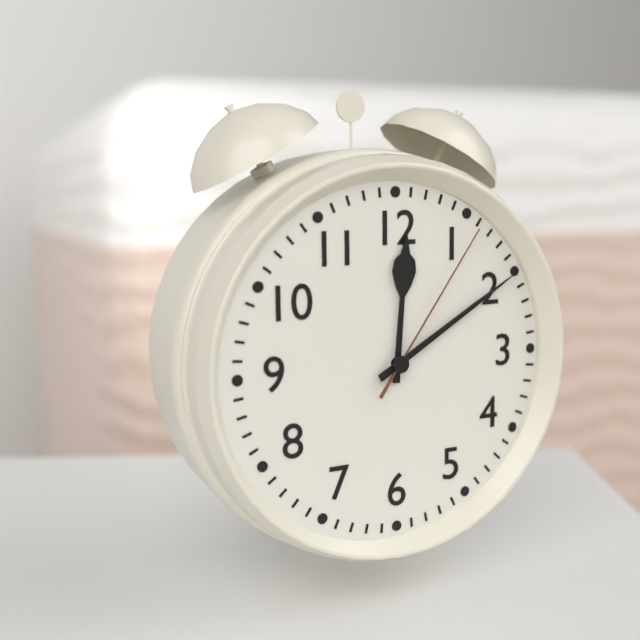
12:10:06
